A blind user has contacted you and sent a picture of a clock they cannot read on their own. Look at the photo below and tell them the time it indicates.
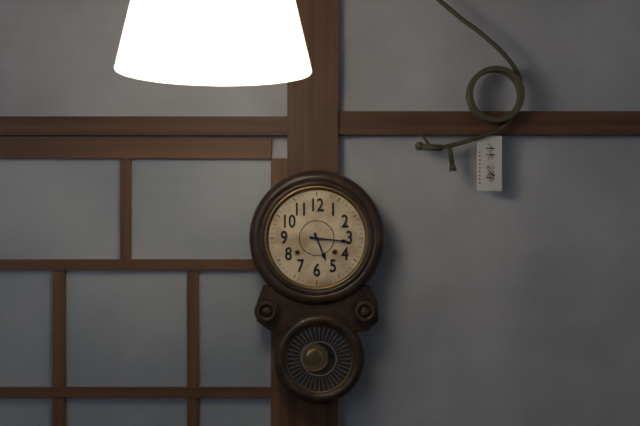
5:16
